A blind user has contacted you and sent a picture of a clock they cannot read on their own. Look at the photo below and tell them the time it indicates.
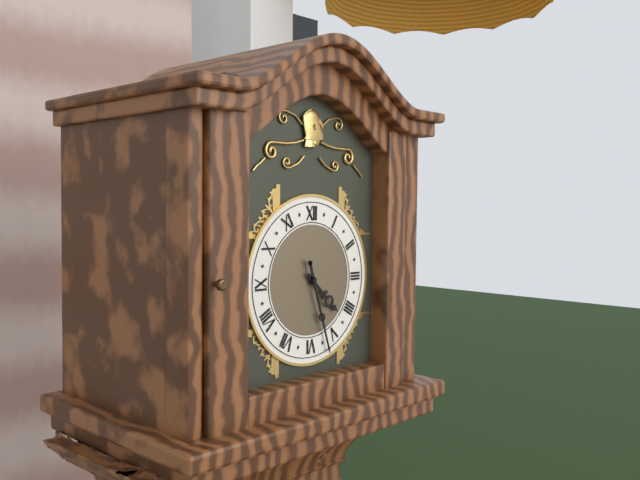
4:27
